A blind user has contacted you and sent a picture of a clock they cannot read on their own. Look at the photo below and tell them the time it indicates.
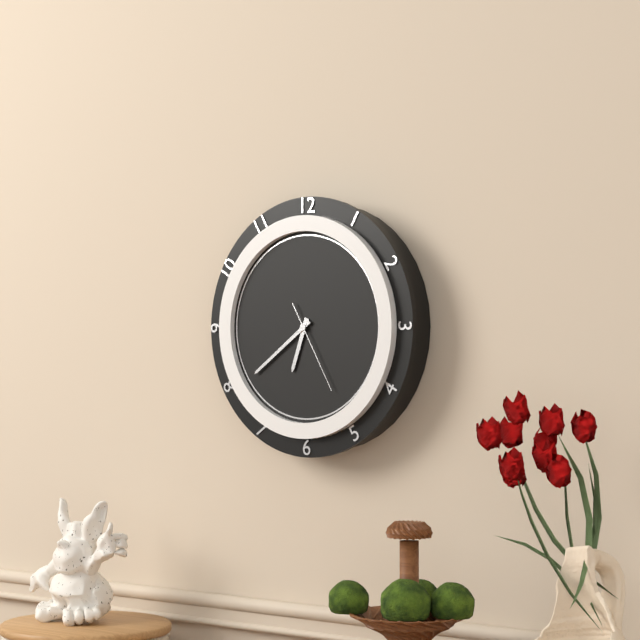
6:39:25
